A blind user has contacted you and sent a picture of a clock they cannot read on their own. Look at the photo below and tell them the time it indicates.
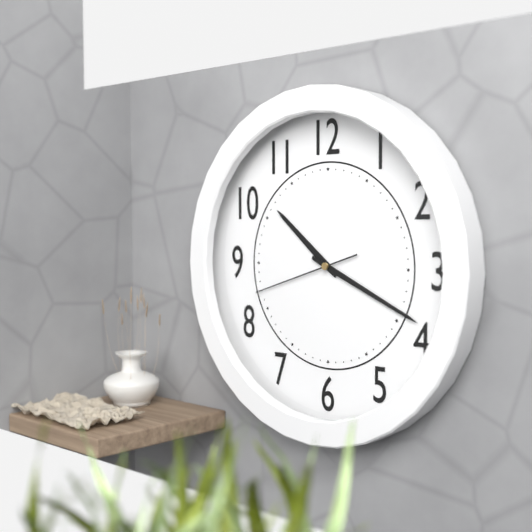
10:19:42
